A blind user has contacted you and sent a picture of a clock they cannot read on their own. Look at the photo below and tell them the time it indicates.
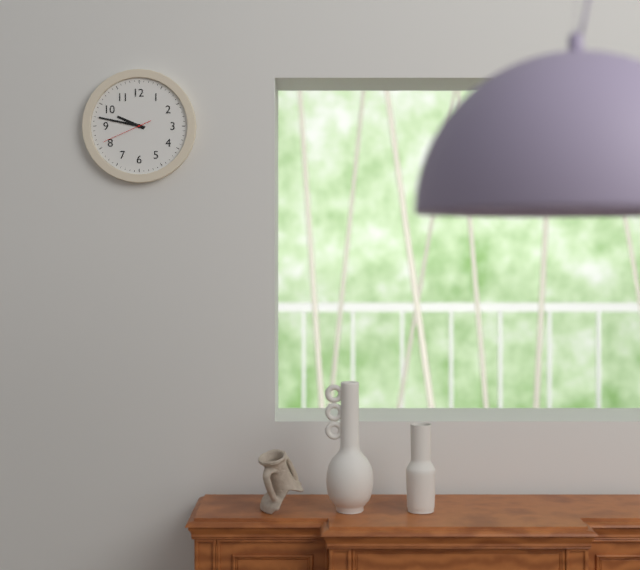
9:47
